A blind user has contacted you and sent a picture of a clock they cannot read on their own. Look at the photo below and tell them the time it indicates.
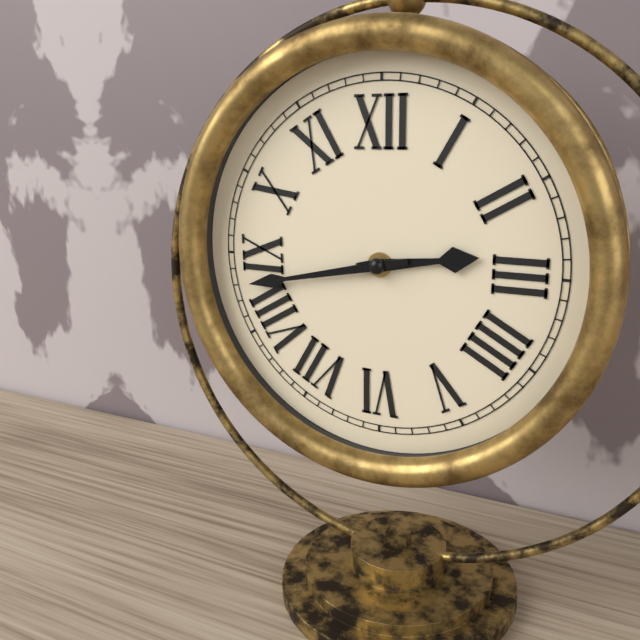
2:43
